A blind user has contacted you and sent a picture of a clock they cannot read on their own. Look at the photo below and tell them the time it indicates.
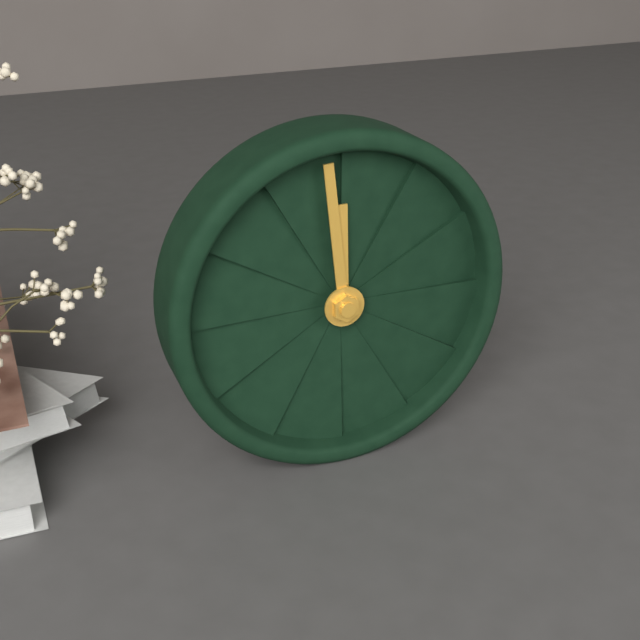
11:59
